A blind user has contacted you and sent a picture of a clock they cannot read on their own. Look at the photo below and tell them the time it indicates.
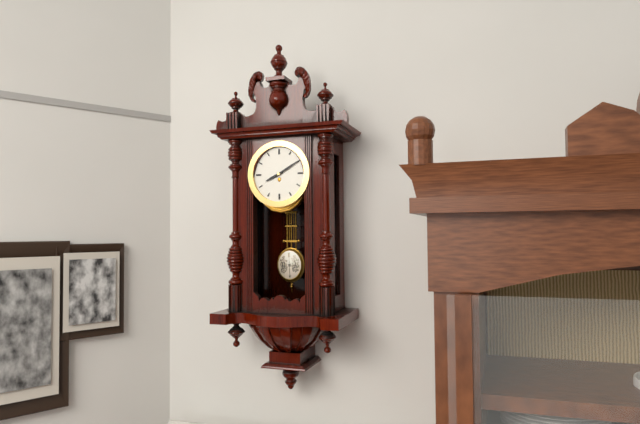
8:10
